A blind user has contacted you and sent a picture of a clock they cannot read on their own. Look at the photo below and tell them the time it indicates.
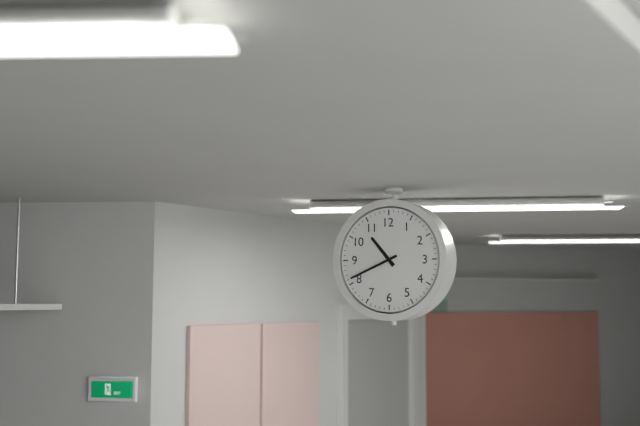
10:41
